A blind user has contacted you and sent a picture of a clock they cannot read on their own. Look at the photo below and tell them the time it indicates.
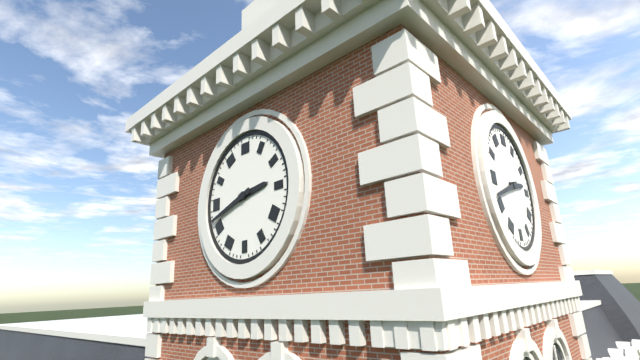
2:42
